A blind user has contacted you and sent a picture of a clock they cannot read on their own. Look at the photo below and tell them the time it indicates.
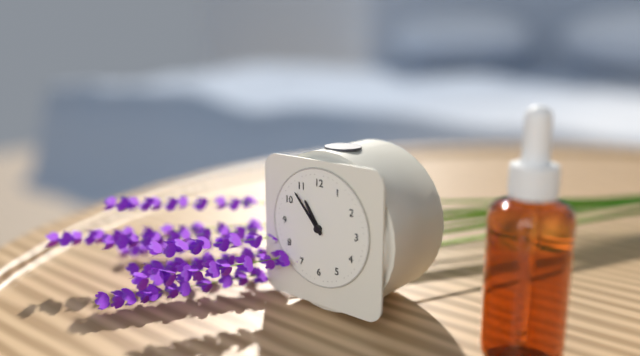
10:53
